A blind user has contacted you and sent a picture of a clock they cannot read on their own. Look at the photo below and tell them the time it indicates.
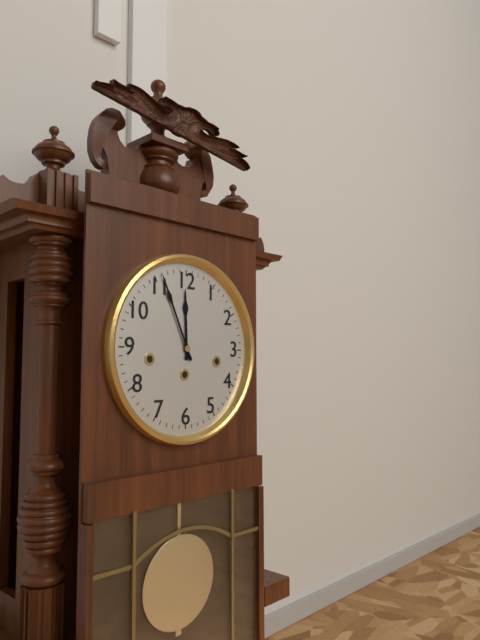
11:56
